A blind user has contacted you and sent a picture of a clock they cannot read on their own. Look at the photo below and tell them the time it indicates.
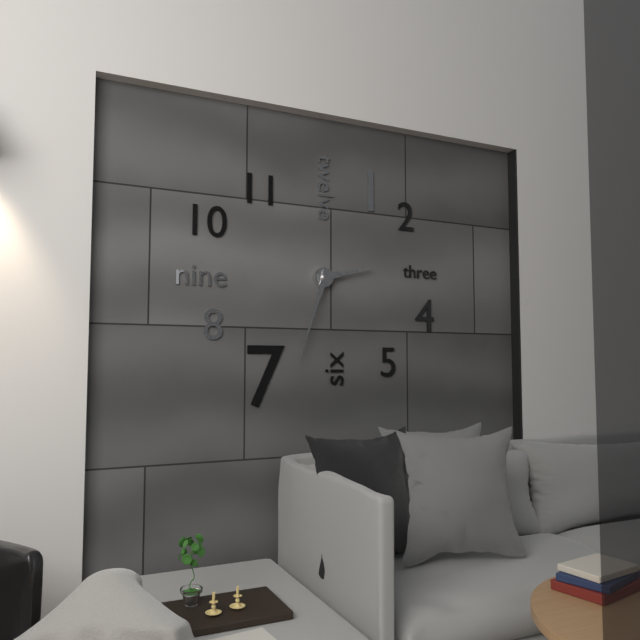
2:33
